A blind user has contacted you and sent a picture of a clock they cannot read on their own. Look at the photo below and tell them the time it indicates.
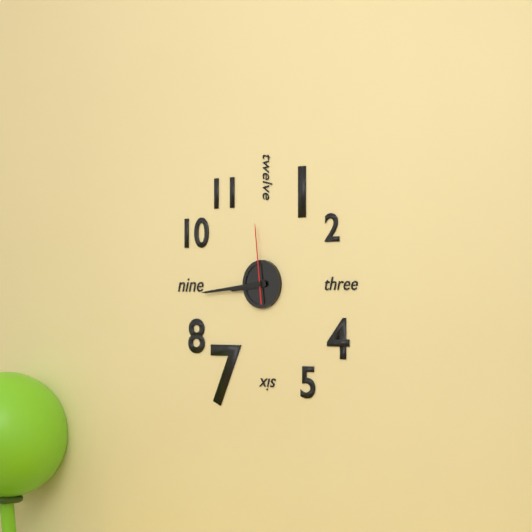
8:44:59
